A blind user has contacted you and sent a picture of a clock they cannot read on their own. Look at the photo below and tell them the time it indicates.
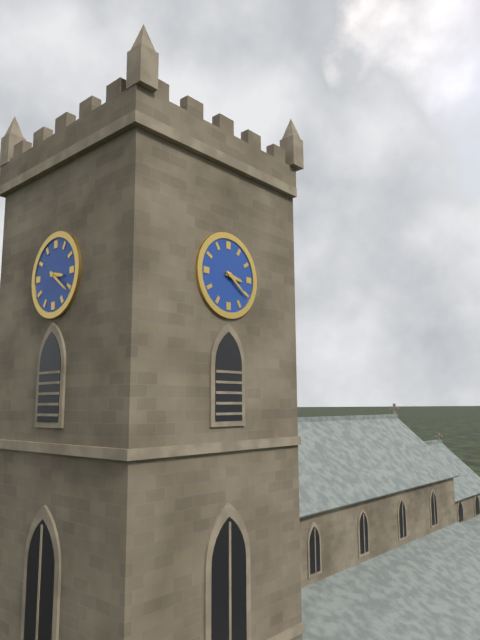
3:21
